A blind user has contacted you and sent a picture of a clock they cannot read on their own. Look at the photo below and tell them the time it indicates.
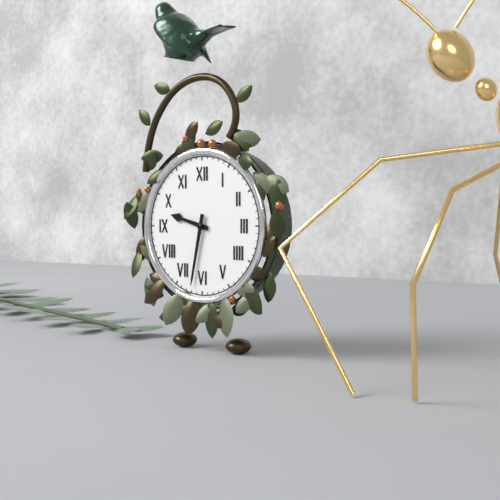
9:32
